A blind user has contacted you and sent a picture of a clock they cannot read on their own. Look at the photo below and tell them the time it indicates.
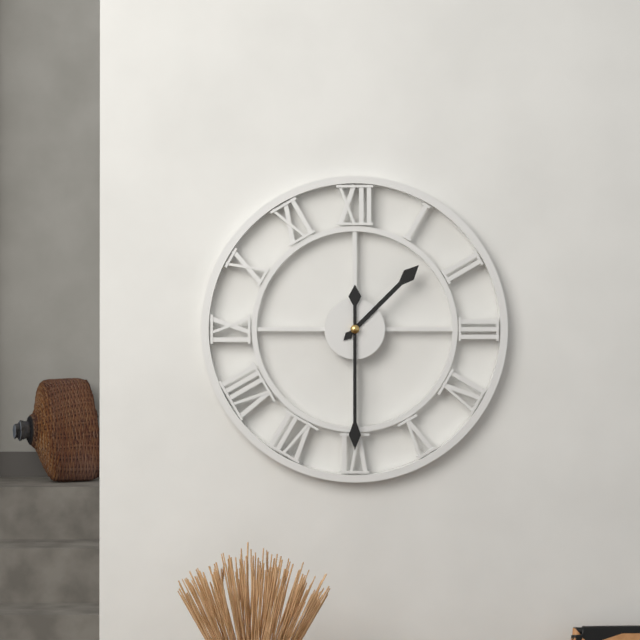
1:30
